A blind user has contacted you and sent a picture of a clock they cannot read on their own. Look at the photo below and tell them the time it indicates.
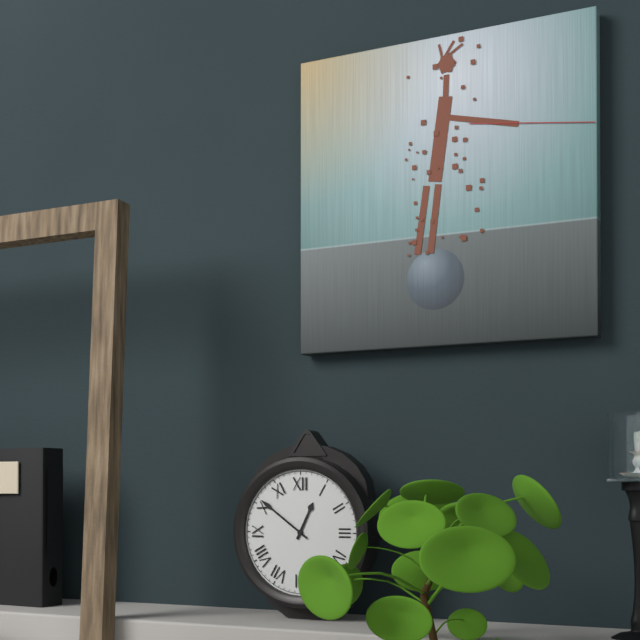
12:51
